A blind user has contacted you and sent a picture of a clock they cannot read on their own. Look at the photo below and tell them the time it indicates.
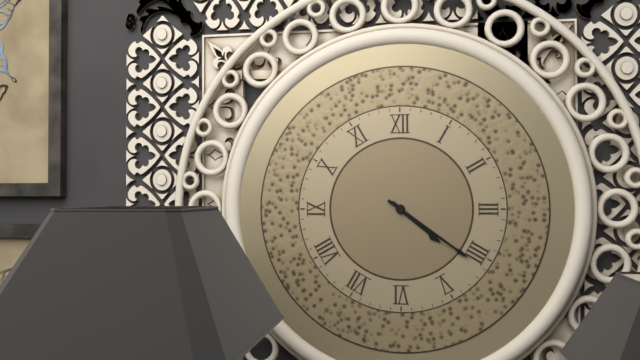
4:21
